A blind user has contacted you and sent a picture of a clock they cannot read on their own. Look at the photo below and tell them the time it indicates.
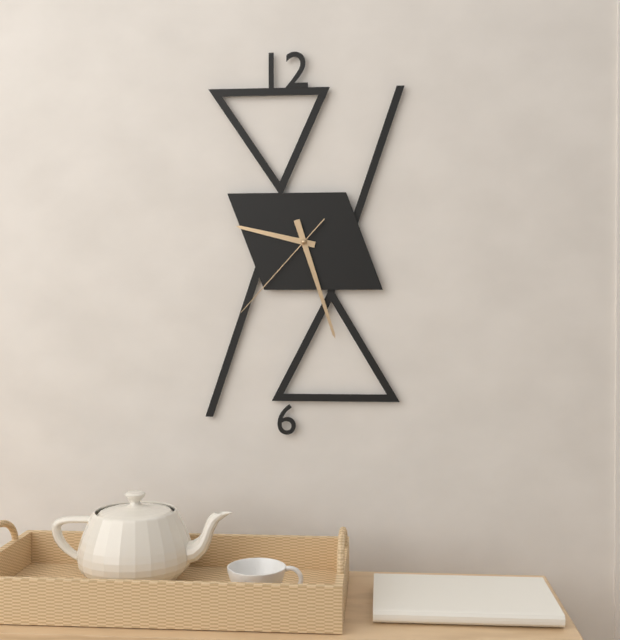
9:27:37
